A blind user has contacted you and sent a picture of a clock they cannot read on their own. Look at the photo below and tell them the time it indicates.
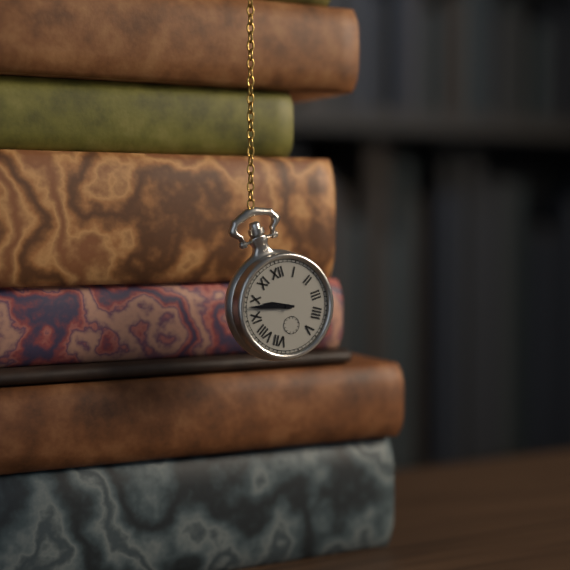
9:48
